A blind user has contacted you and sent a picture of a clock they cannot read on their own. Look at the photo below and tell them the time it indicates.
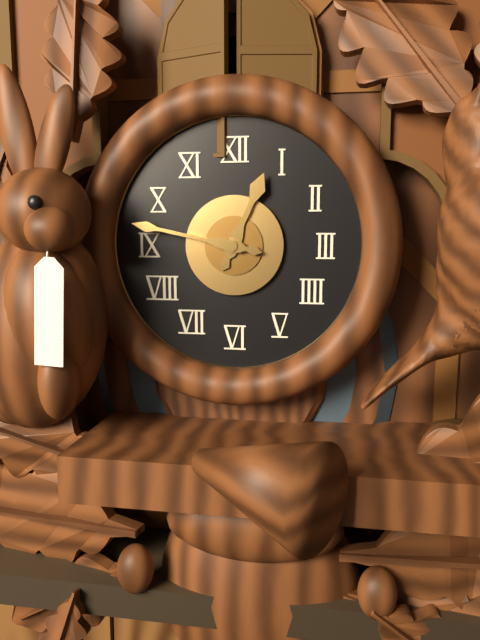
12:47
